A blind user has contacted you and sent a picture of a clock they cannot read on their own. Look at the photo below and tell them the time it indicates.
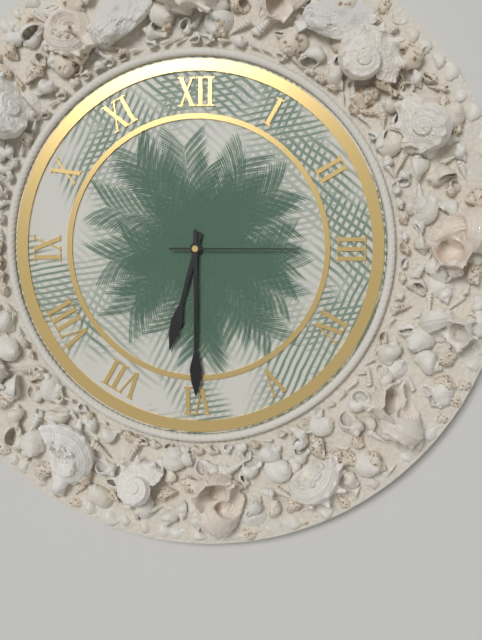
6:30:15
